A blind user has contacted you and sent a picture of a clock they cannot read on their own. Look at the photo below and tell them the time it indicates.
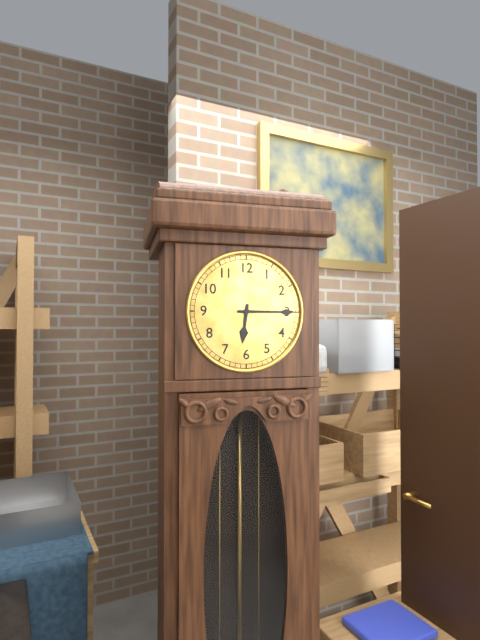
6:15
